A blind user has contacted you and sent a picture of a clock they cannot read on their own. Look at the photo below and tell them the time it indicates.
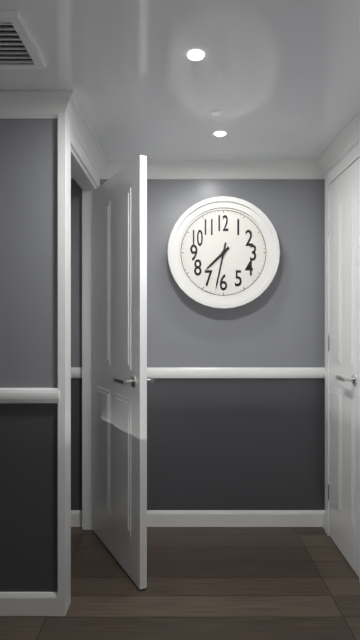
7:32
